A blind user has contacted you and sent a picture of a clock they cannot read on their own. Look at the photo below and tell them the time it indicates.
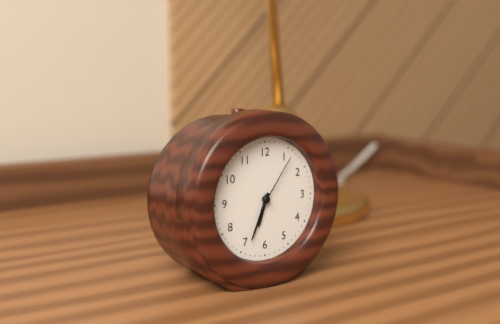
6:34:06
